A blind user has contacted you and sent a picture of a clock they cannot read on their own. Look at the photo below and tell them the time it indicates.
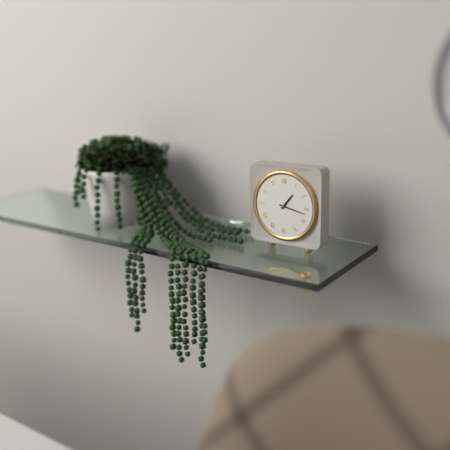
1:17
